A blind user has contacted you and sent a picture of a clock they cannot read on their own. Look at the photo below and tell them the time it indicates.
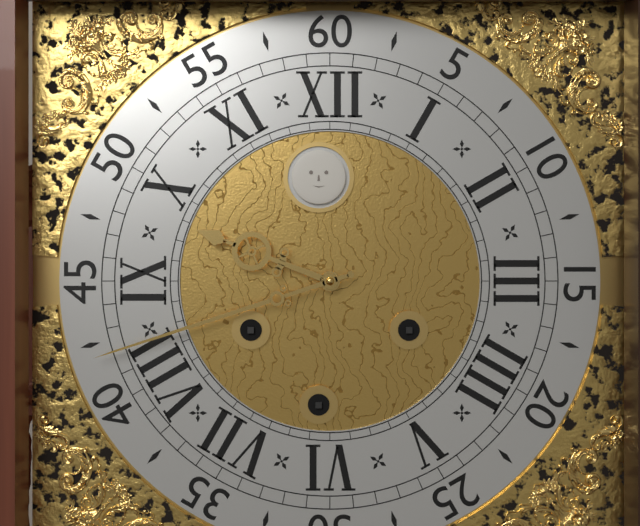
9:42
